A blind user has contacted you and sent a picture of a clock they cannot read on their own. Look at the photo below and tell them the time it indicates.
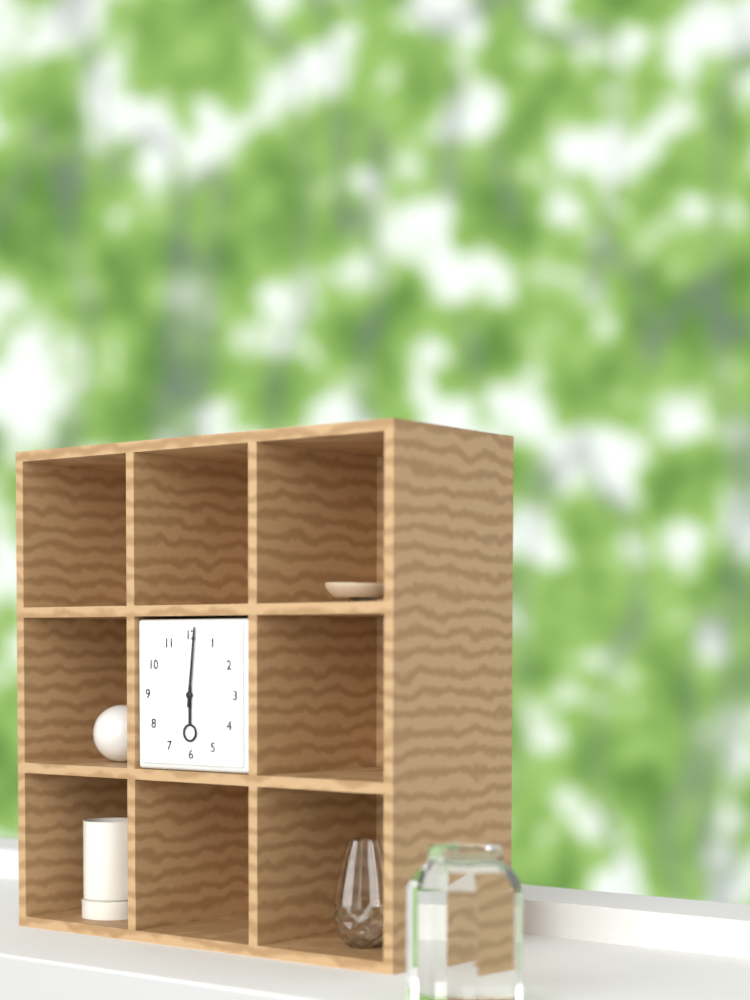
6:01
